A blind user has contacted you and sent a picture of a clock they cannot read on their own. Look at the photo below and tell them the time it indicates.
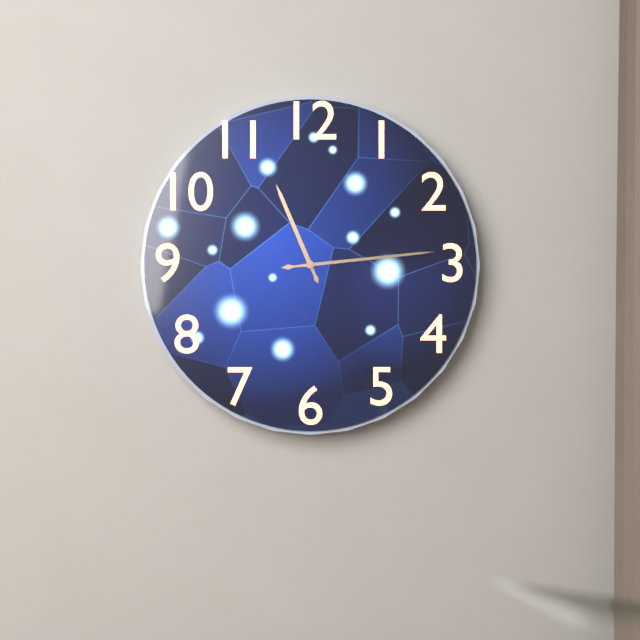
11:14
